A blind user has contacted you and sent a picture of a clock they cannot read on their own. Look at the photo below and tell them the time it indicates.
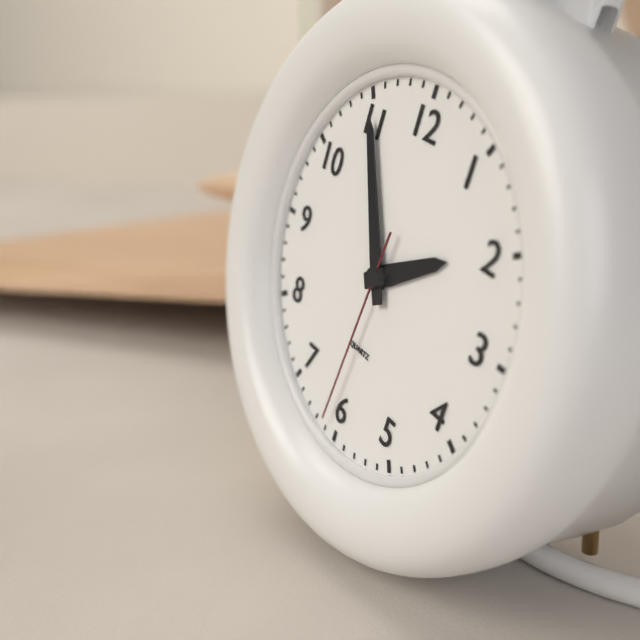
1:55:31
